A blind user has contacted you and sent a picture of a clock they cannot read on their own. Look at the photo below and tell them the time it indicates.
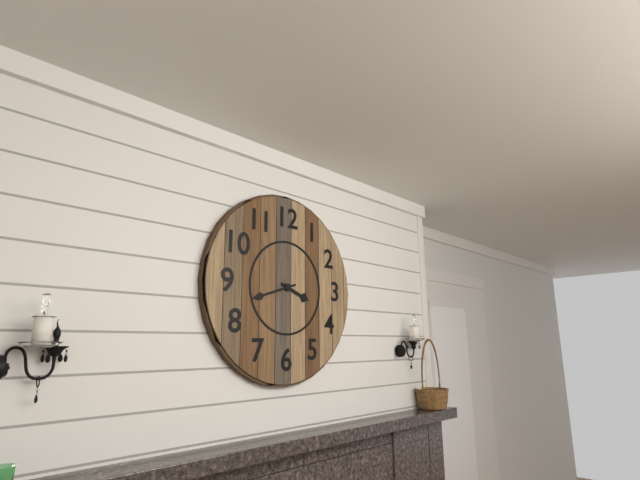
3:42
